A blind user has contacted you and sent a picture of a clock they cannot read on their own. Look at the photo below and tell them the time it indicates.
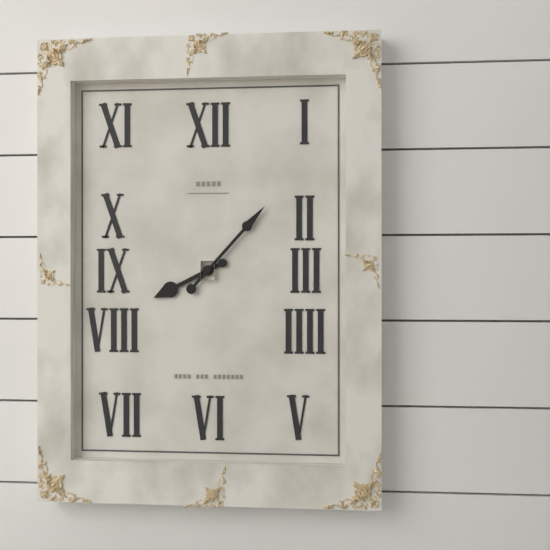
8:07
